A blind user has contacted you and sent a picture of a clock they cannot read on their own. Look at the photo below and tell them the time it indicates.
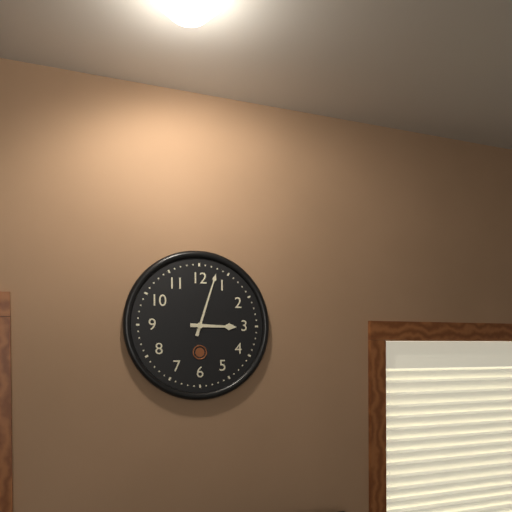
3:03
